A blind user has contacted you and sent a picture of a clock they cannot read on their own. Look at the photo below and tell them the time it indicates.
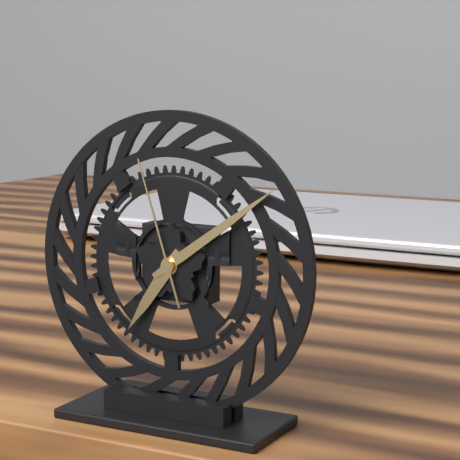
7:09:57
